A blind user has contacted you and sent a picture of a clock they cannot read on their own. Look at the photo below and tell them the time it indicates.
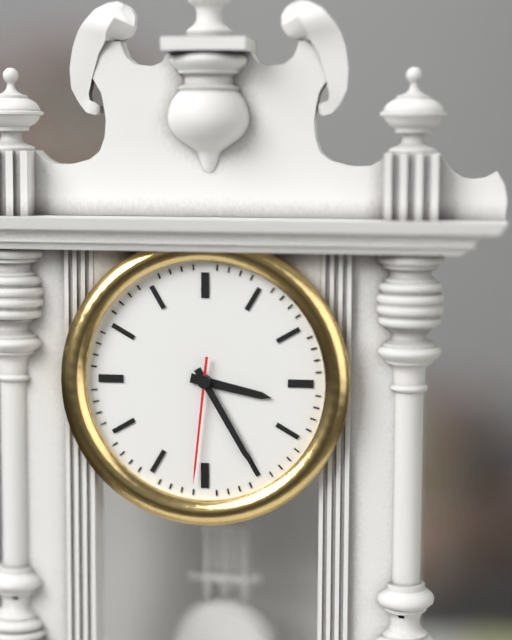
3:25:31
